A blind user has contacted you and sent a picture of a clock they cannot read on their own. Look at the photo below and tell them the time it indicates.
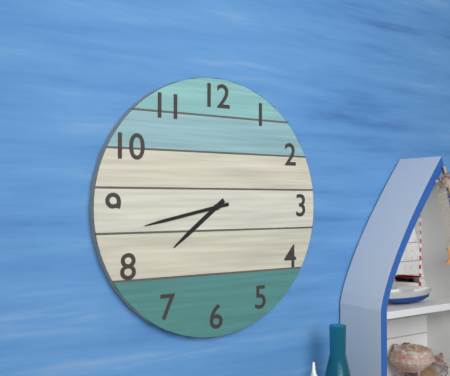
7:43
